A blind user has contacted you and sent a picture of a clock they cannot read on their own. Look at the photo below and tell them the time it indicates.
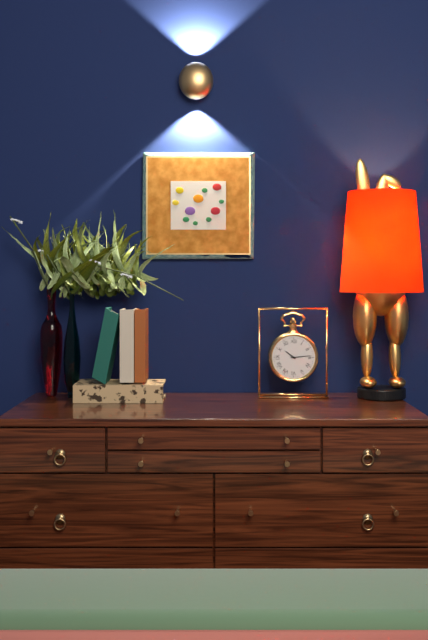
10:14
